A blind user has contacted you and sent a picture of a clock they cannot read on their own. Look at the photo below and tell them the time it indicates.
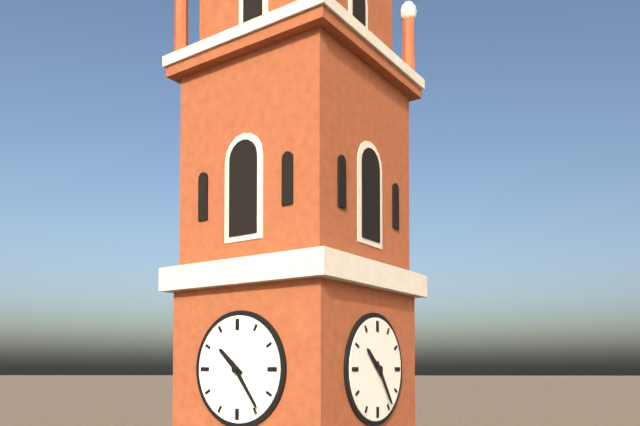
10:24
